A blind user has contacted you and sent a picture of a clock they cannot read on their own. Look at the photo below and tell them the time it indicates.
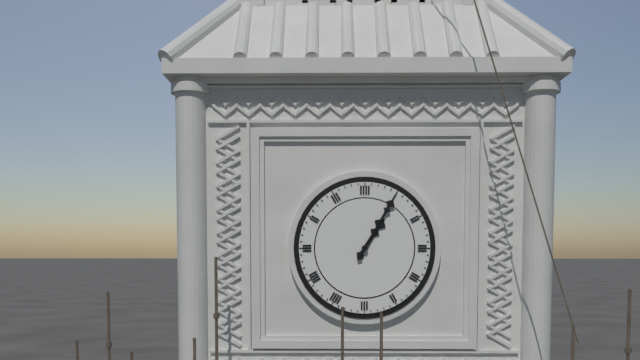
1:05
